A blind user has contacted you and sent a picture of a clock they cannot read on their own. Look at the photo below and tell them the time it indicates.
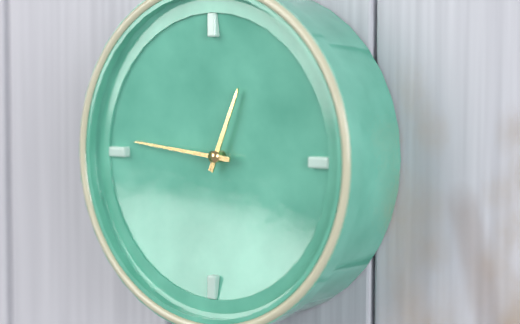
12:46
